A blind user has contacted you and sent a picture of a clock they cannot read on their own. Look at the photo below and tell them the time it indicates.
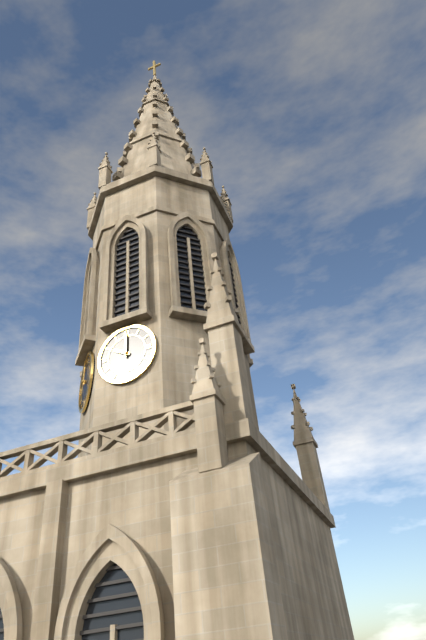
10:00
